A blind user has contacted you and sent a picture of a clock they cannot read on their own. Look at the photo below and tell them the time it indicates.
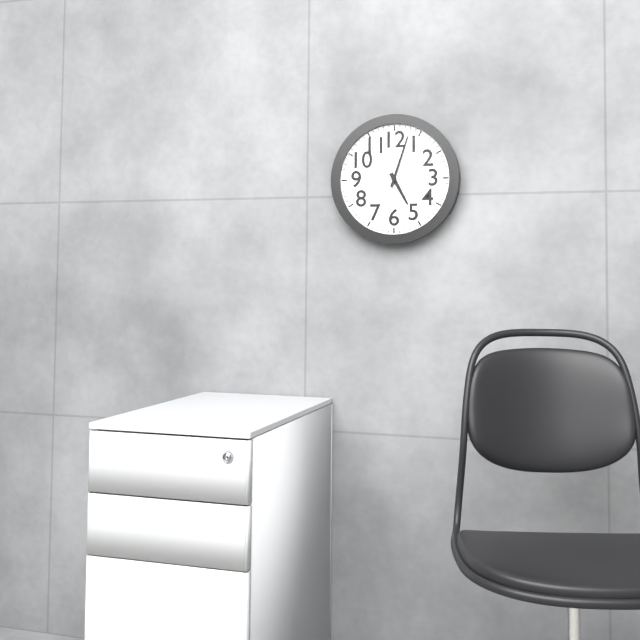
5:03
